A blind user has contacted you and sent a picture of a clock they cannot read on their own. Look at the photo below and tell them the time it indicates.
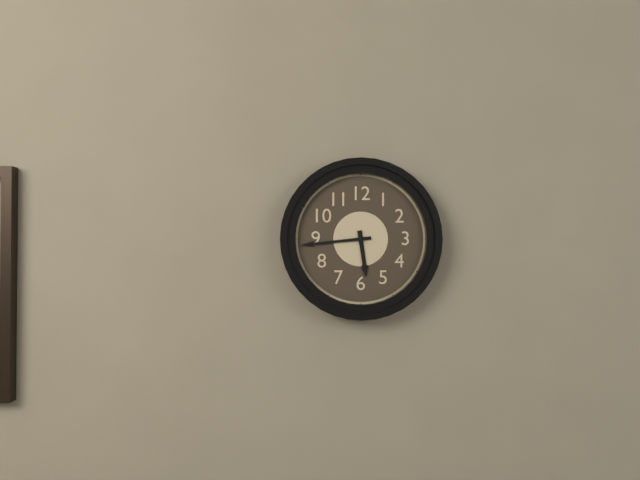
5:44
